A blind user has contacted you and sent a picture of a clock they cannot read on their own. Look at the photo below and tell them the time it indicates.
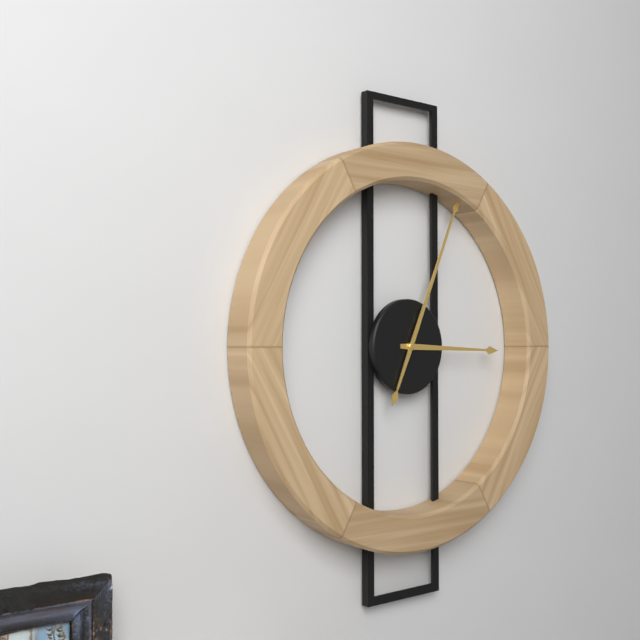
3:04
